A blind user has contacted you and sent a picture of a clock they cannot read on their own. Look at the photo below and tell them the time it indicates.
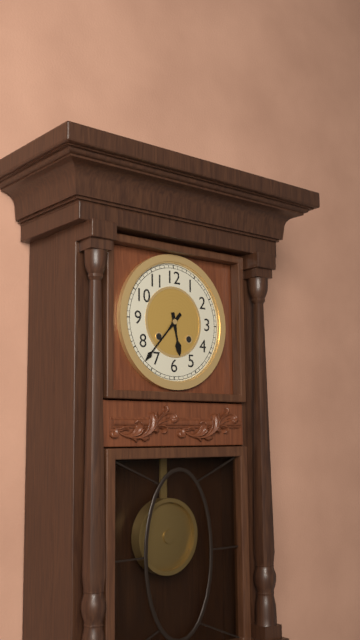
5:37
